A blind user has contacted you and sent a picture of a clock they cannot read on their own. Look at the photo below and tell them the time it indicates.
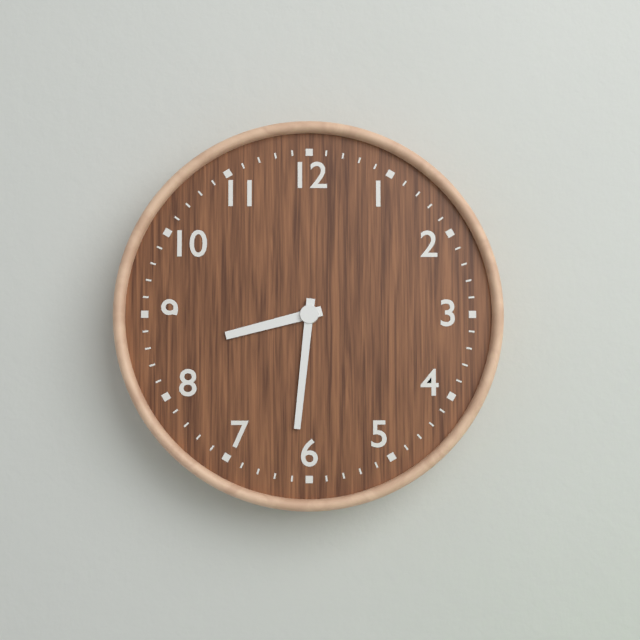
8:31
